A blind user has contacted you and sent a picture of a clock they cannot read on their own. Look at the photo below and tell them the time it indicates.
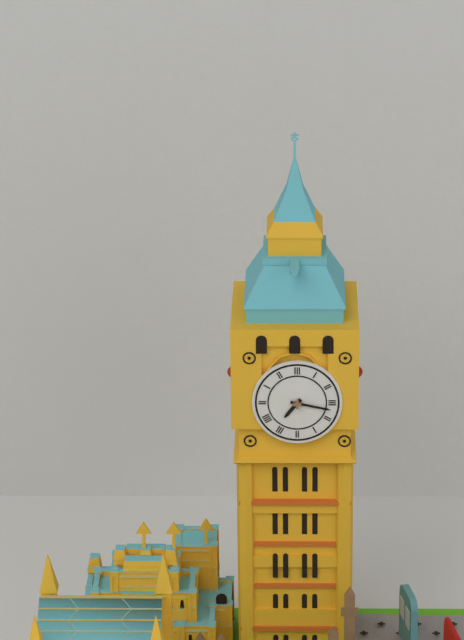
7:17
